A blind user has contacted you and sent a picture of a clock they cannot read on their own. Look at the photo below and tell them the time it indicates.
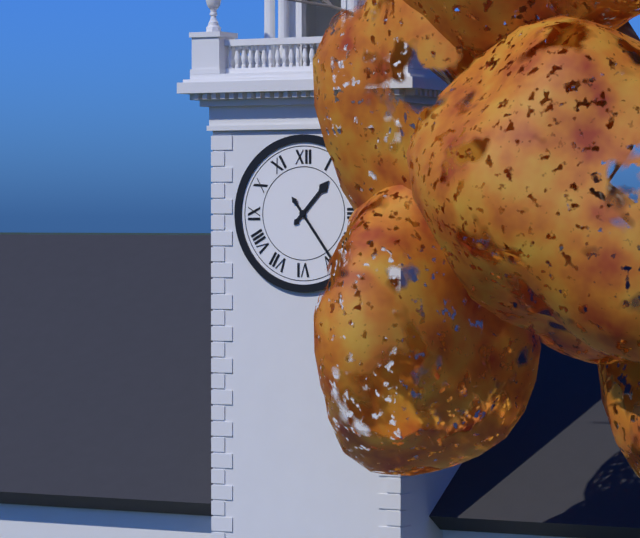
1:24
